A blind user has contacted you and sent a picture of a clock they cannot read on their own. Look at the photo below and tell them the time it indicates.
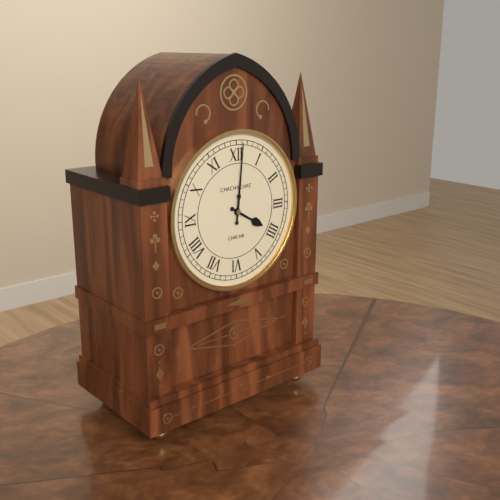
4:01
